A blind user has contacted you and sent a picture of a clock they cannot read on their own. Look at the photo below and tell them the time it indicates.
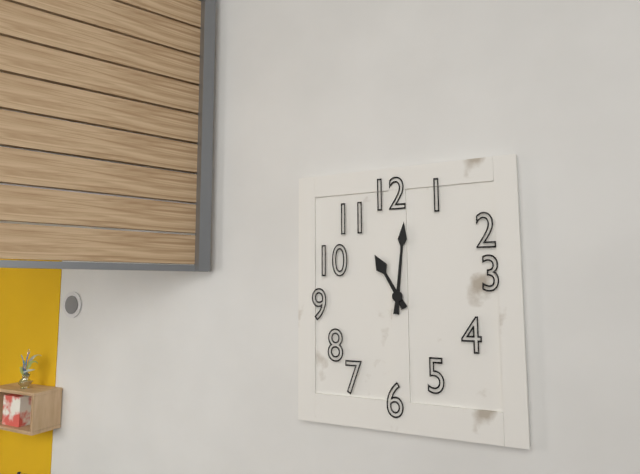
11:01
